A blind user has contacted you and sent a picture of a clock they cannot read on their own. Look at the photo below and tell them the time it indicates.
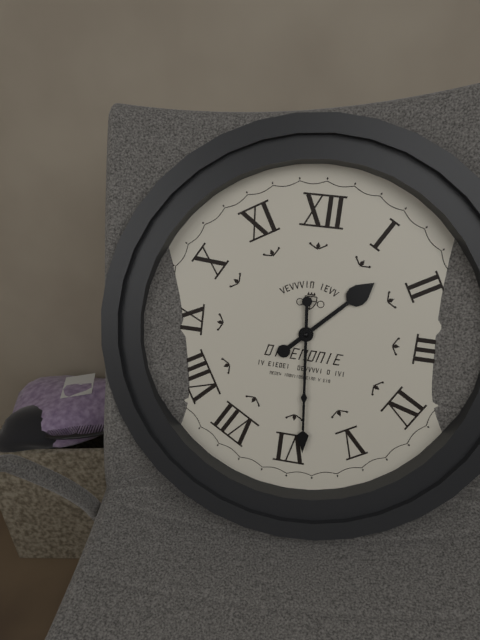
1:29
